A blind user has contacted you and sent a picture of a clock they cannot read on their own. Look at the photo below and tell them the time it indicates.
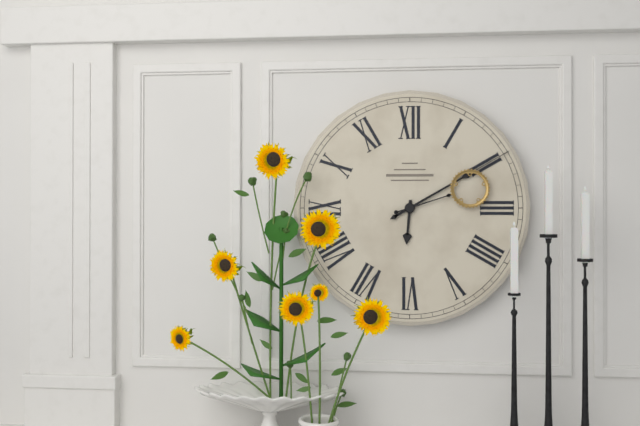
6:10:12
